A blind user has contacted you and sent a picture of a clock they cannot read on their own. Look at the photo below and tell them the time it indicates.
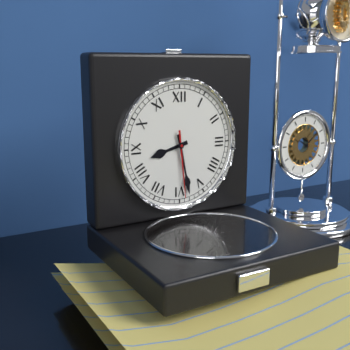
8:28:29
